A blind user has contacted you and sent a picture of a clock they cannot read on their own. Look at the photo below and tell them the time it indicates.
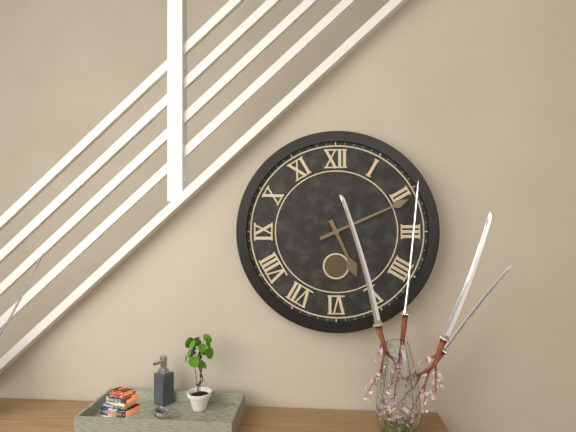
5:11
